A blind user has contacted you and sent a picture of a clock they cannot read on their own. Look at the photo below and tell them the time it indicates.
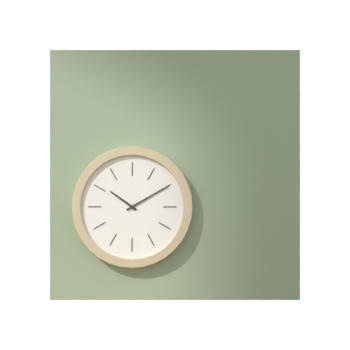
10:10
